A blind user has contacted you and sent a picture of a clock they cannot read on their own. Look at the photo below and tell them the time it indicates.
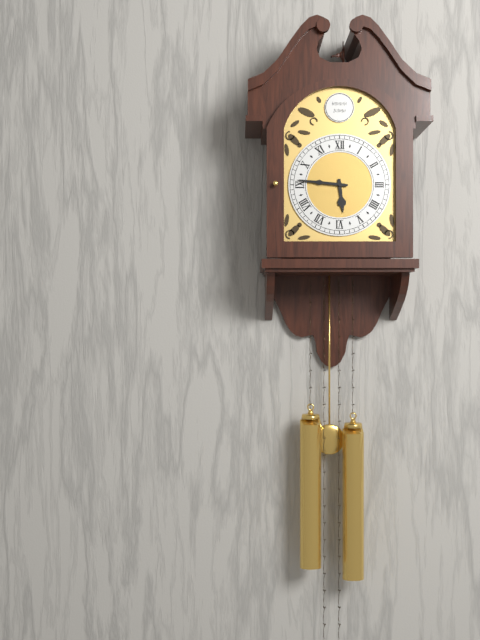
5:46
